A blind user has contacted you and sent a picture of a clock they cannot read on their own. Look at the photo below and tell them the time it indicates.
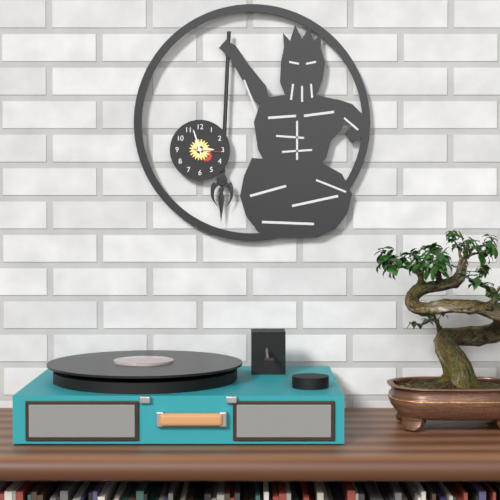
2:57
